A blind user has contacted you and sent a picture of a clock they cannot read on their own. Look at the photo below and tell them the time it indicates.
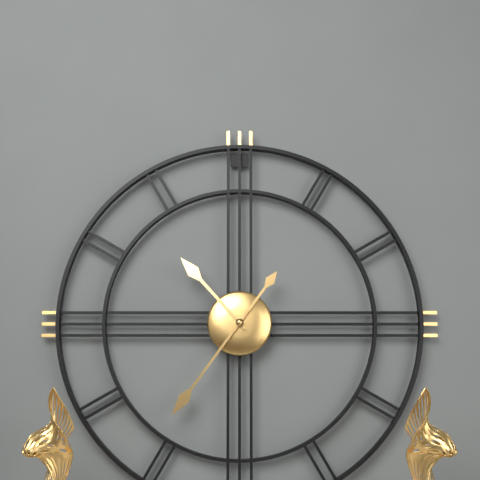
10:36
